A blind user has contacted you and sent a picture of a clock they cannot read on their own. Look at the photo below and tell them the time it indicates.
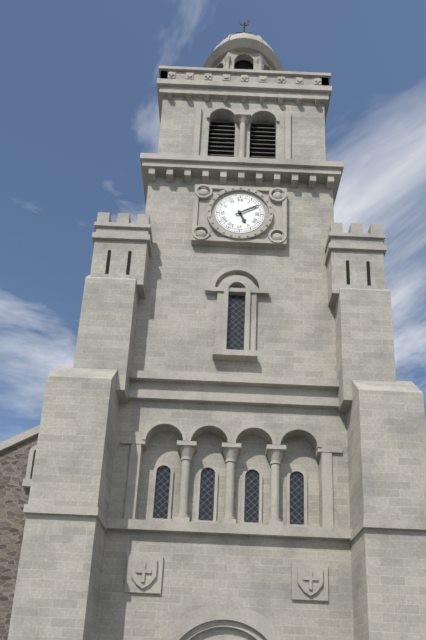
5:10
